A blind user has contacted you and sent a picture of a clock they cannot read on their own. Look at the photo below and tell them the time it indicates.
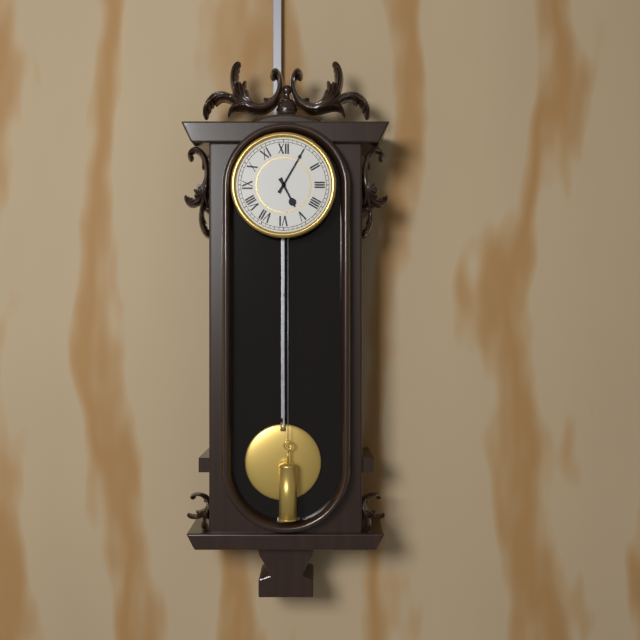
5:05
